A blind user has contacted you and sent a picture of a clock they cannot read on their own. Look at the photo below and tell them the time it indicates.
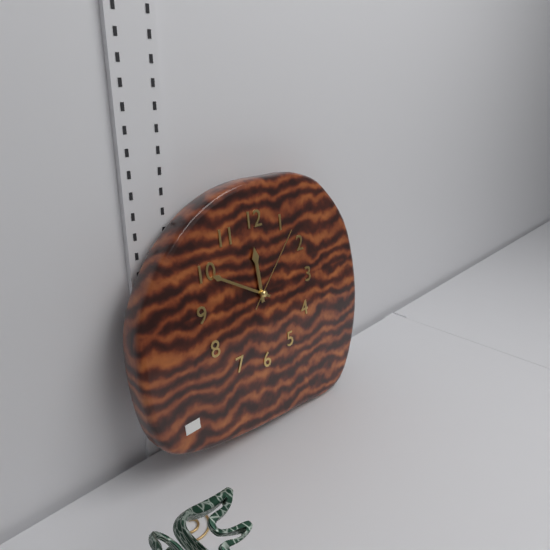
11:50:07
